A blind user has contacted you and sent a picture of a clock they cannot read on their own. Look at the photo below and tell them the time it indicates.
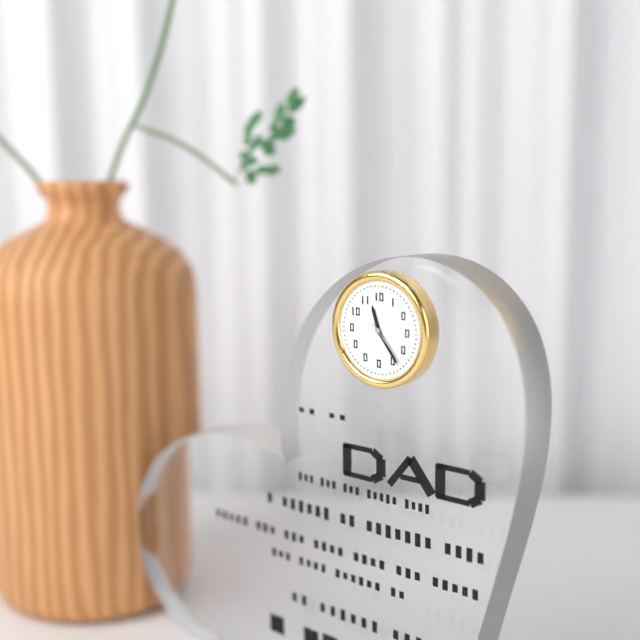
11:24:23
